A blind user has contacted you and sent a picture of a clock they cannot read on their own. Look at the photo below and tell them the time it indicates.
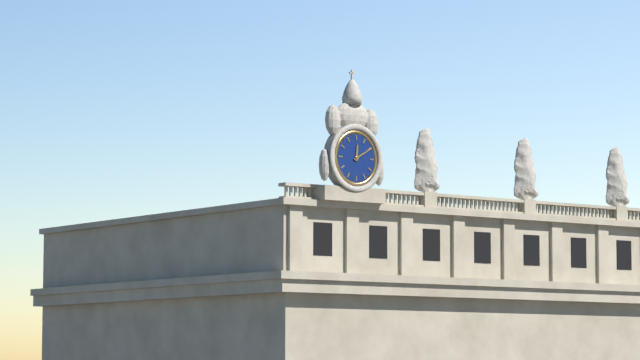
12:10
